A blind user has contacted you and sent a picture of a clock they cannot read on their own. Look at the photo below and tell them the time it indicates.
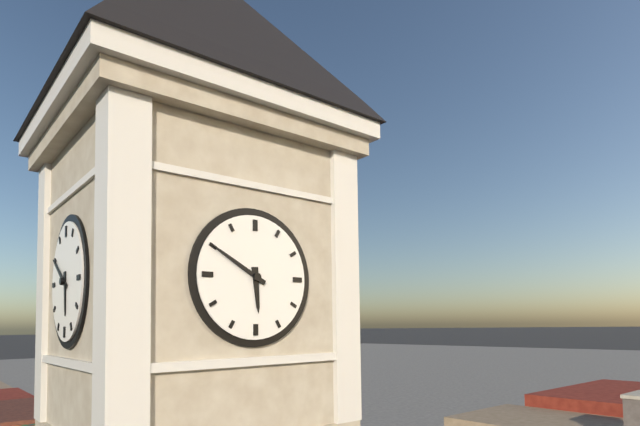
5:50
